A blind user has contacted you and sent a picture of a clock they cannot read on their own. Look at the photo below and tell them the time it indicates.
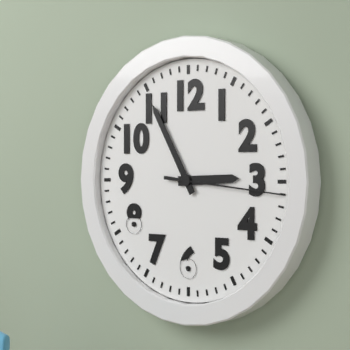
2:55:16
